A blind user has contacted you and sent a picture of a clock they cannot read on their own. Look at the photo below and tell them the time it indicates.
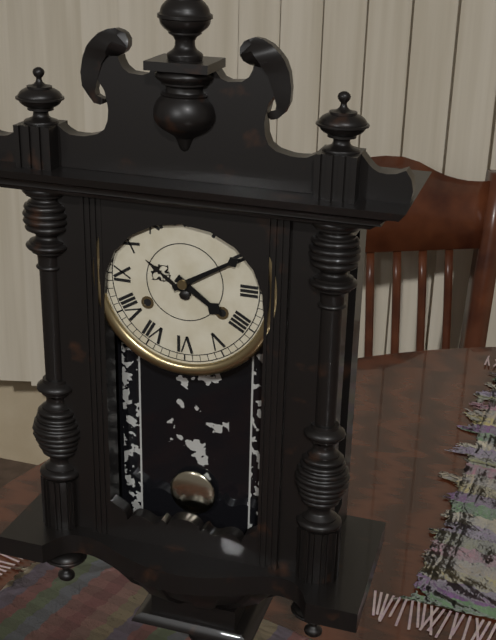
4:10
